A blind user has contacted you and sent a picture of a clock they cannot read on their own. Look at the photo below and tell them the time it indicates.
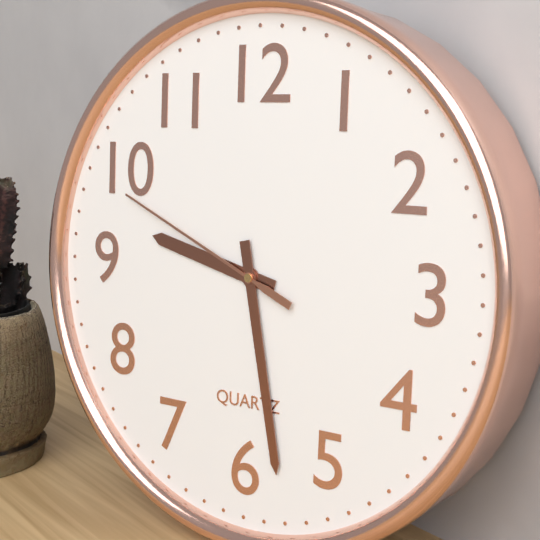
9:28:49
